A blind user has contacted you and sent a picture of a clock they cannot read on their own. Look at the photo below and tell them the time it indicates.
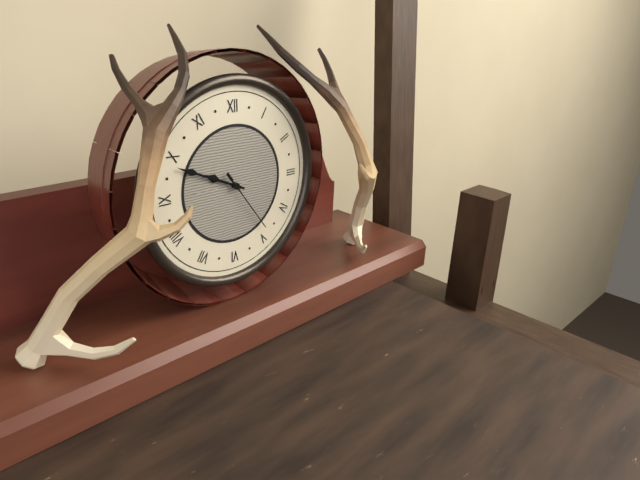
9:49:24
